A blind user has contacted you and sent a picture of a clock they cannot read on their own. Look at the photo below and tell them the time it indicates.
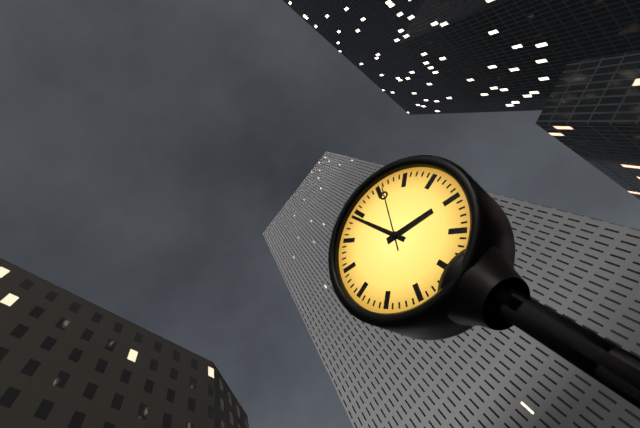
3:59:06
